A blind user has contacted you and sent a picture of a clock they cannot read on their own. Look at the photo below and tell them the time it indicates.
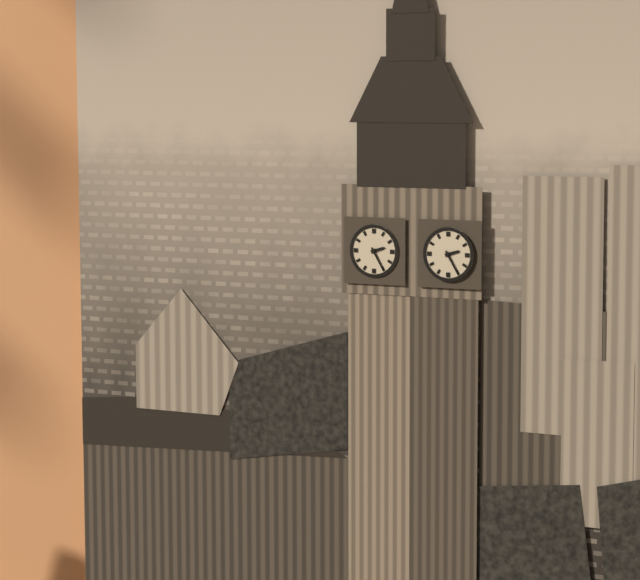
2:25
